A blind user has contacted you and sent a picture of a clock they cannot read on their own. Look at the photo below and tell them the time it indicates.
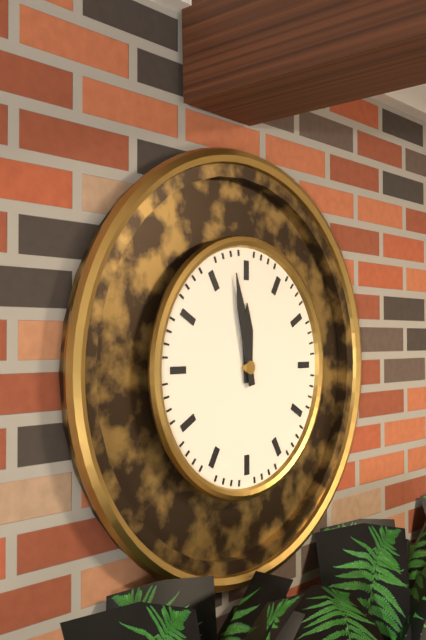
11:58
